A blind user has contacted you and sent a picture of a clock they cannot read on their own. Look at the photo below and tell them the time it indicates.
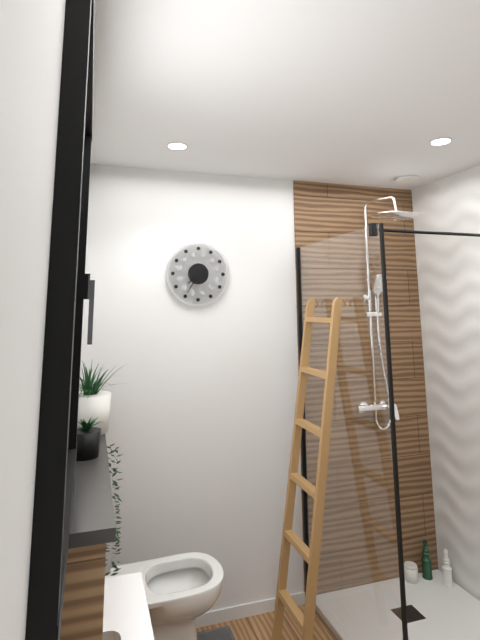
7:35
